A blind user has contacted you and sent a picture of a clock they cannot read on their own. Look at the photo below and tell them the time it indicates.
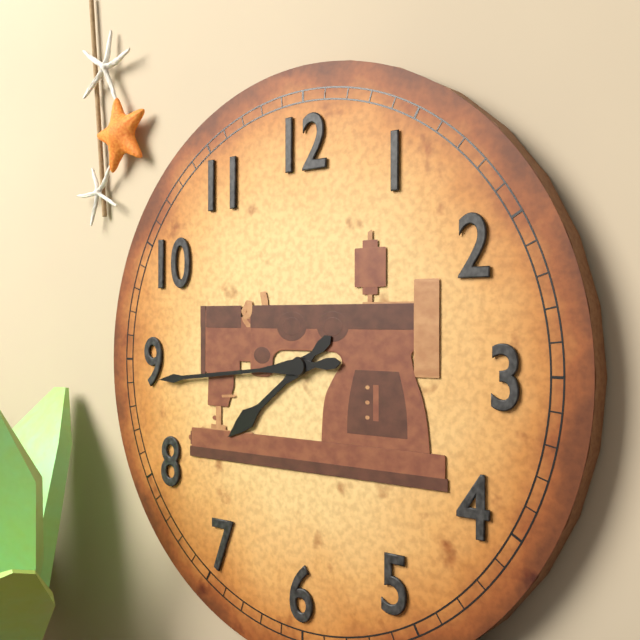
7:44
